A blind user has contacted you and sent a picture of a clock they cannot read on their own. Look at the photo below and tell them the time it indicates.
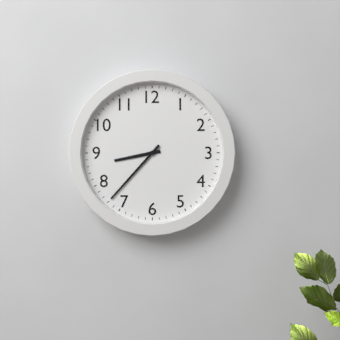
8:37
